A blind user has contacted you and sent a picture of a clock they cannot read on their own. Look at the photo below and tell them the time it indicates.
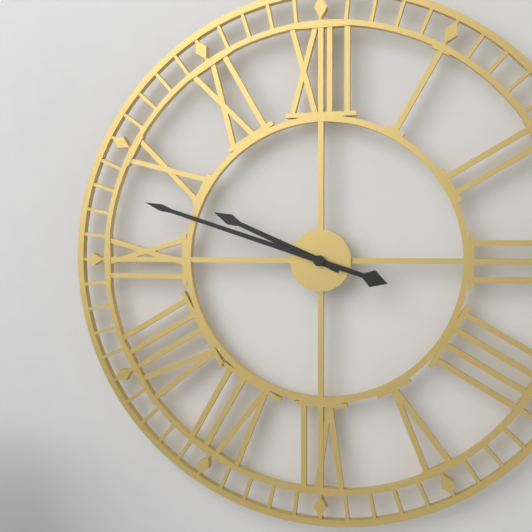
9:48
